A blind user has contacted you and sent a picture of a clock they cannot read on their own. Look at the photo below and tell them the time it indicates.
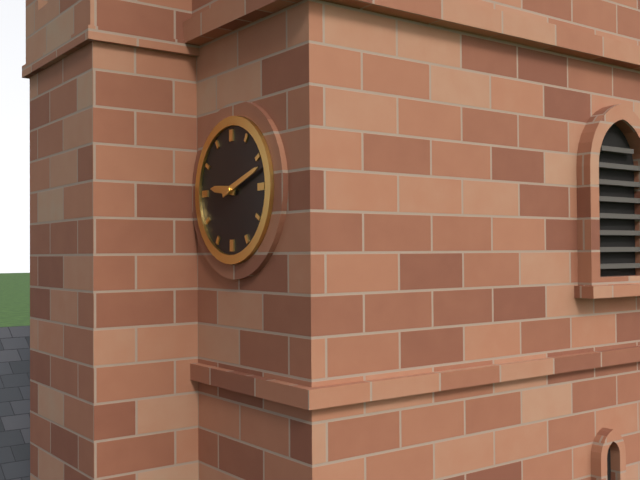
9:12
